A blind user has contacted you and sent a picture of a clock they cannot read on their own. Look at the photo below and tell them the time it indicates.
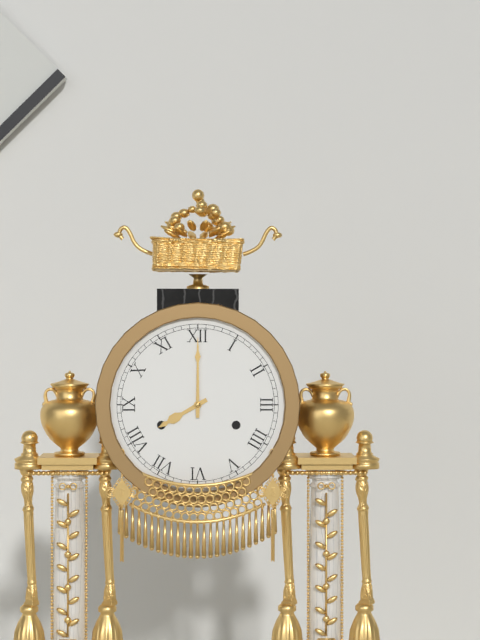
8:00
